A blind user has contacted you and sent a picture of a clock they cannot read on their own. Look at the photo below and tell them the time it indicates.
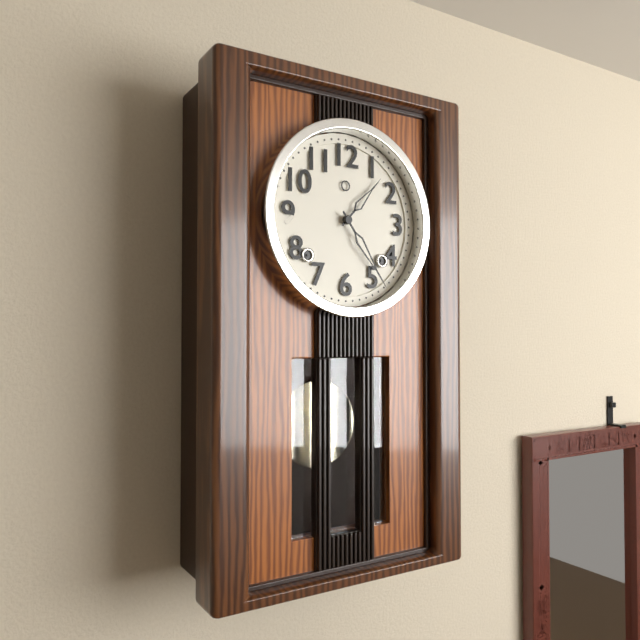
1:24
